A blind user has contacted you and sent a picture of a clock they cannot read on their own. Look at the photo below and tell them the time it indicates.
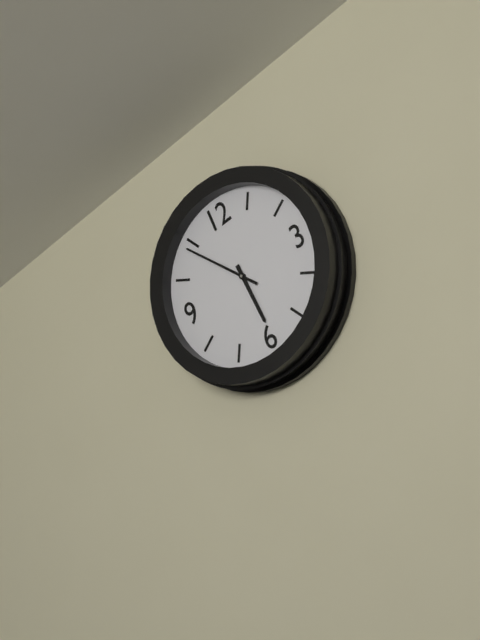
5:54
